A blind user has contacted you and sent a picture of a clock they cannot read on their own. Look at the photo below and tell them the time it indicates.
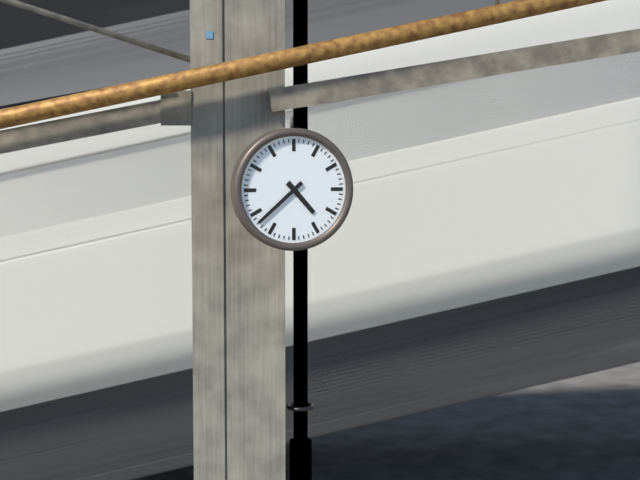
4:38
